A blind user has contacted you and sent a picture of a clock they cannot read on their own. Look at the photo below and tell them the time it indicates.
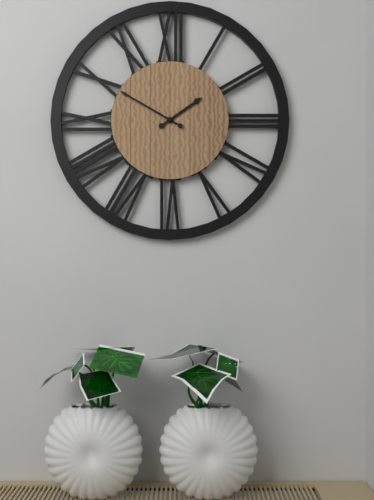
1:50
